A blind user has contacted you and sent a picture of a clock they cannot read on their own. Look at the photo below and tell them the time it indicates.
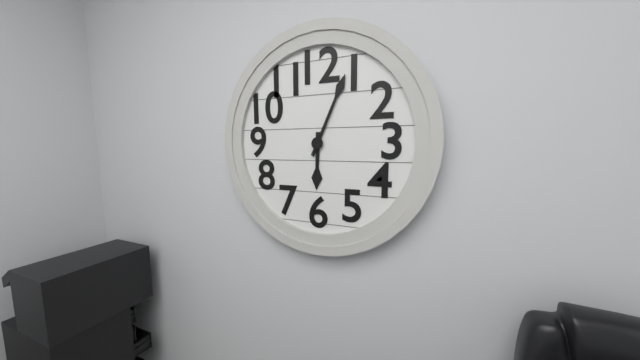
6:04
